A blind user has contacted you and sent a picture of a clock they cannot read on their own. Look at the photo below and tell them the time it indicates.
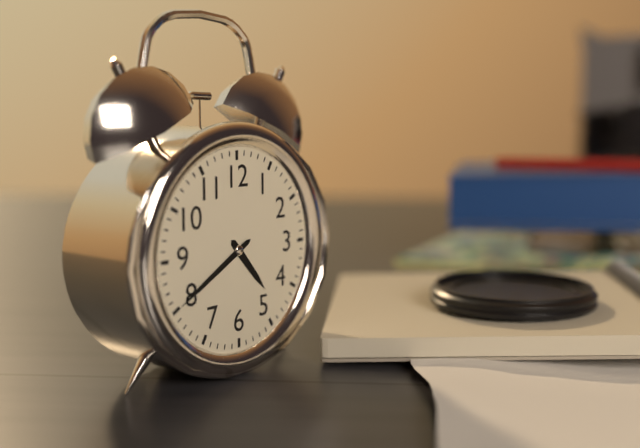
4:40
